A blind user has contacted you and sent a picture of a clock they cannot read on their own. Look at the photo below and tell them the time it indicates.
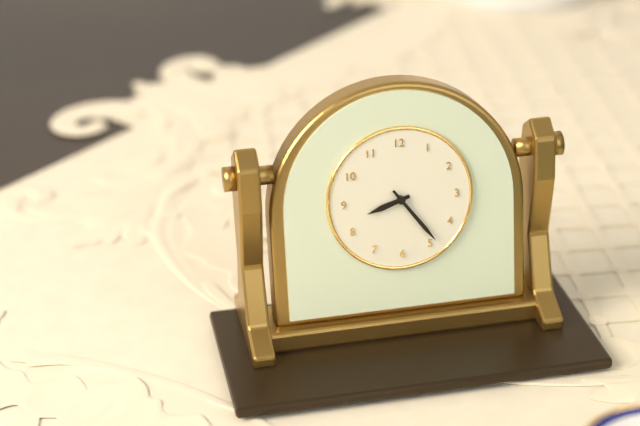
8:24
